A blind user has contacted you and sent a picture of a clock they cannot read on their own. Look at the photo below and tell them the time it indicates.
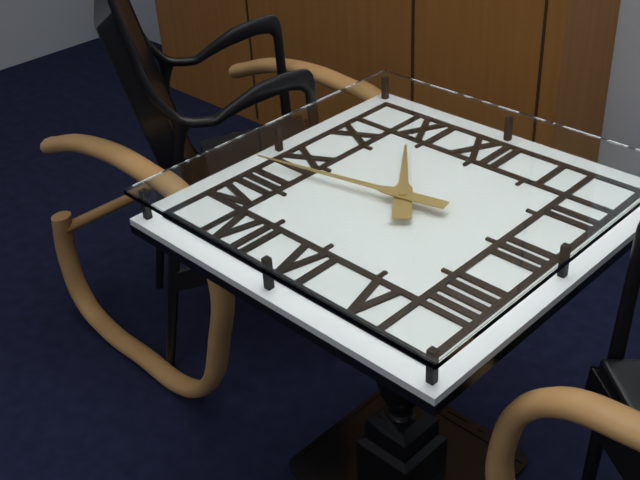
10:43
